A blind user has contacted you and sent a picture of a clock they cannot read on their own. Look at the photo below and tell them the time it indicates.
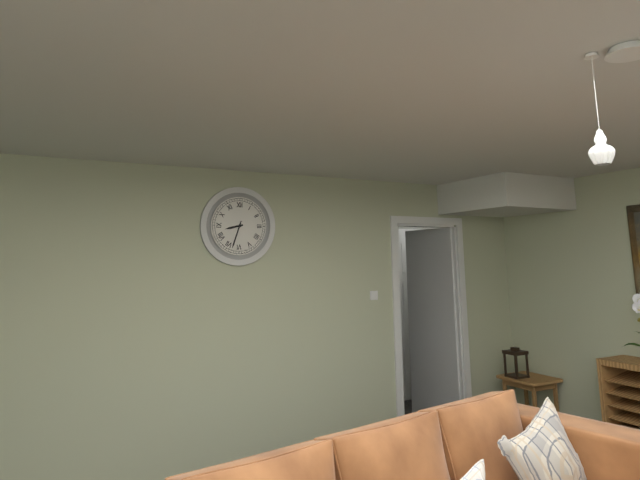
8:33
